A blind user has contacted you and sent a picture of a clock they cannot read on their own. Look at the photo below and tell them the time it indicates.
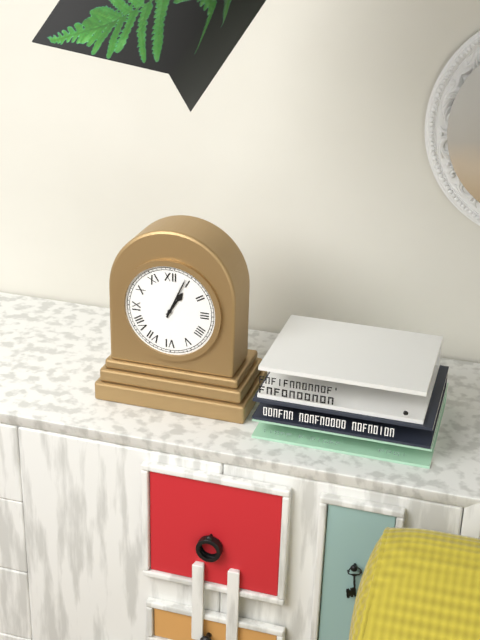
1:04
